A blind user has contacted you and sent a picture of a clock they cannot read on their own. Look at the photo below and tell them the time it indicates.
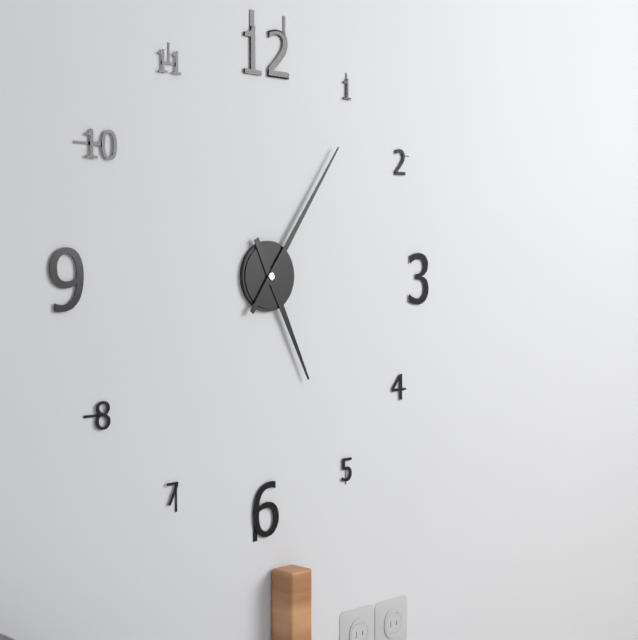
5:06
